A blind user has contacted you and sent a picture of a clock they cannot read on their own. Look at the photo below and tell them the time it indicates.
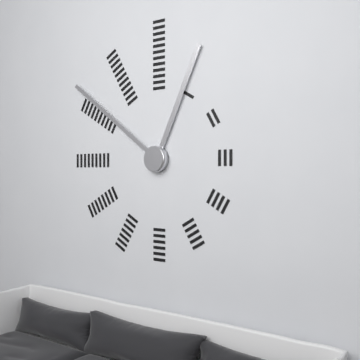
12:51
